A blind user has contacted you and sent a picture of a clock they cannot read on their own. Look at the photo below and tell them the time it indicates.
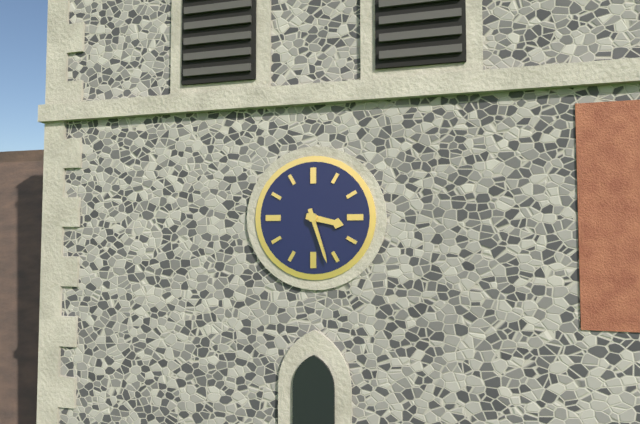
3:27
